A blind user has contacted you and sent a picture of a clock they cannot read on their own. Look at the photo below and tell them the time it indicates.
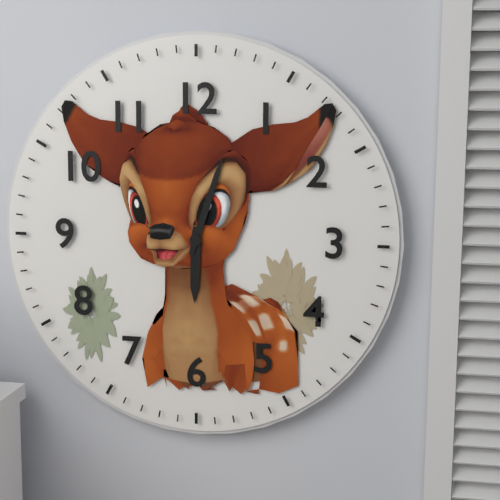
6:03
